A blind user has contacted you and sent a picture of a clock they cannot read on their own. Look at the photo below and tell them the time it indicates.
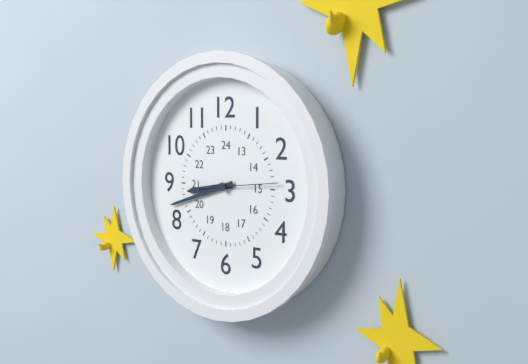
8:42:14
